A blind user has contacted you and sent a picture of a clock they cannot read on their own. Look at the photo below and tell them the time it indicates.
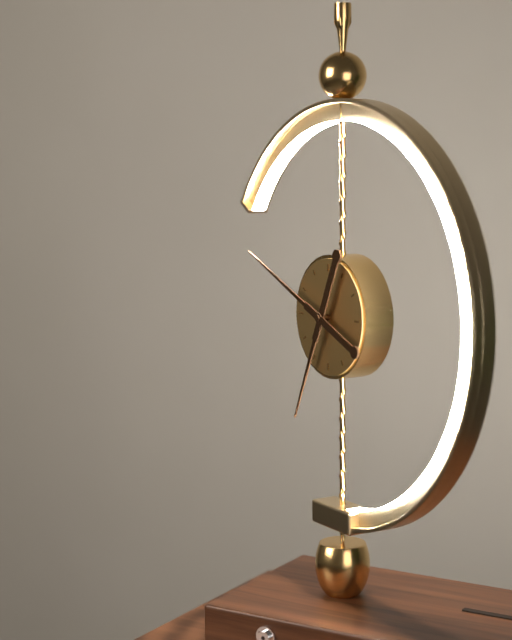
6:49
